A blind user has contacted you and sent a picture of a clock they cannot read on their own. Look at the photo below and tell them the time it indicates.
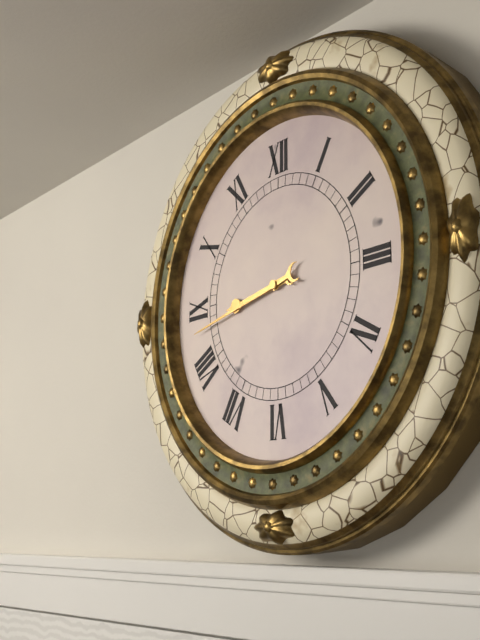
8:43
